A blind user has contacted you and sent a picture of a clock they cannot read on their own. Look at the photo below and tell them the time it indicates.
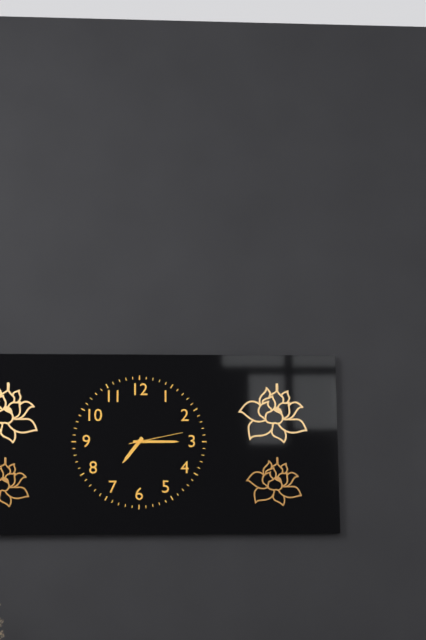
7:15:13
